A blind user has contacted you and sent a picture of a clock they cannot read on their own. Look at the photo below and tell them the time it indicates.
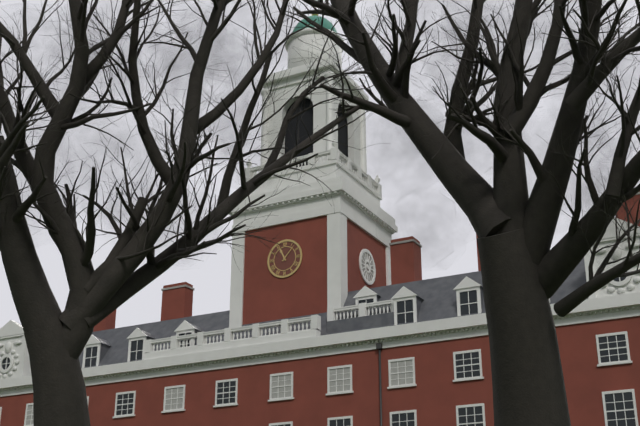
11:07
